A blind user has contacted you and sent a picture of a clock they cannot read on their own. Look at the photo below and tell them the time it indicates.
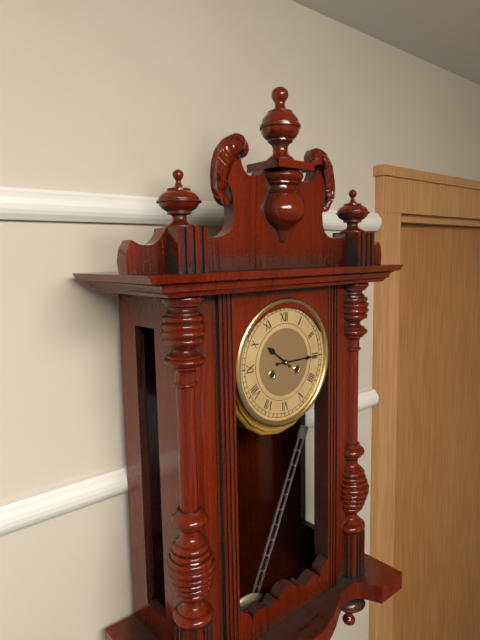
10:15
